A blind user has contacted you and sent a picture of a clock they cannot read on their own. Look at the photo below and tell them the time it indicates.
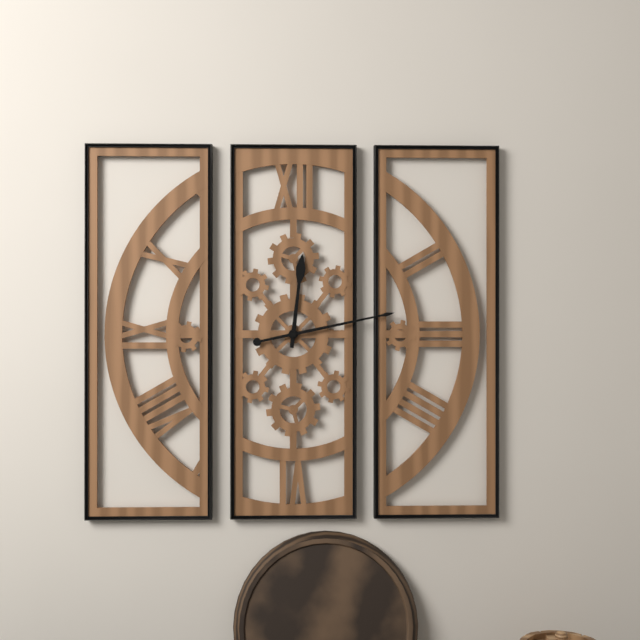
12:13
